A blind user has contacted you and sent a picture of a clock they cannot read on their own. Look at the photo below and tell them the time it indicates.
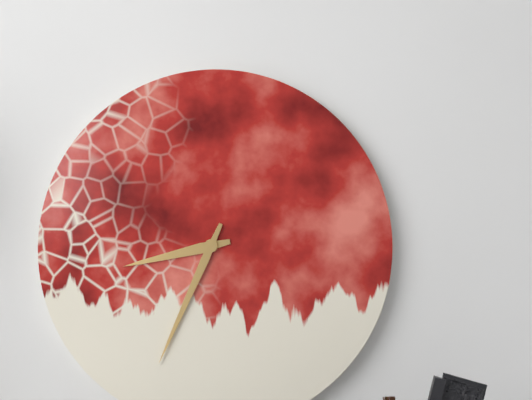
8:34
